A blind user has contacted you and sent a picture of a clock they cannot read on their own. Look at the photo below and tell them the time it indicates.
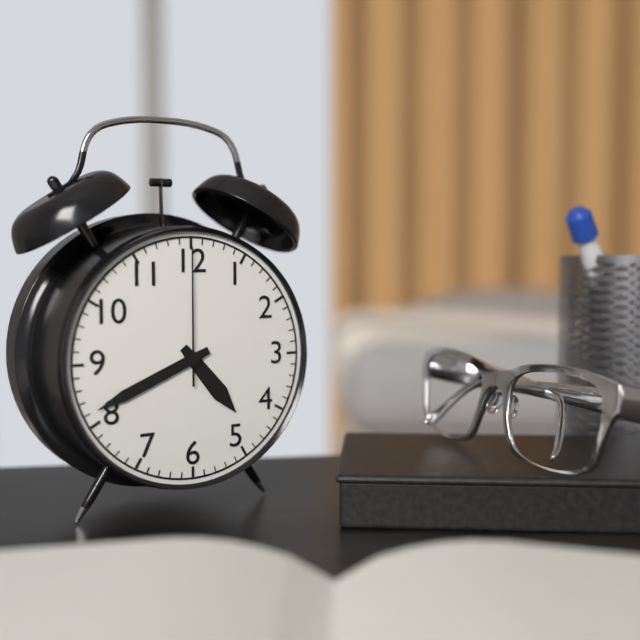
4:41:00
